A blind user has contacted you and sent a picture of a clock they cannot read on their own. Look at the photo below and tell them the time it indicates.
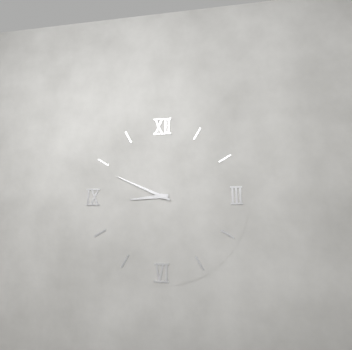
8:49
